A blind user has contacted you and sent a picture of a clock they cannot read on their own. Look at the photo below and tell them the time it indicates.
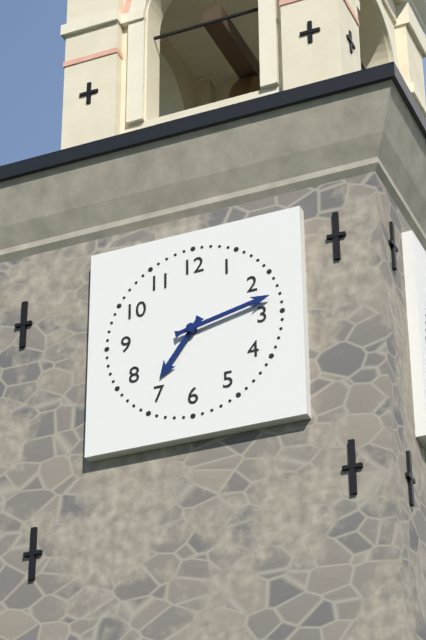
7:13
